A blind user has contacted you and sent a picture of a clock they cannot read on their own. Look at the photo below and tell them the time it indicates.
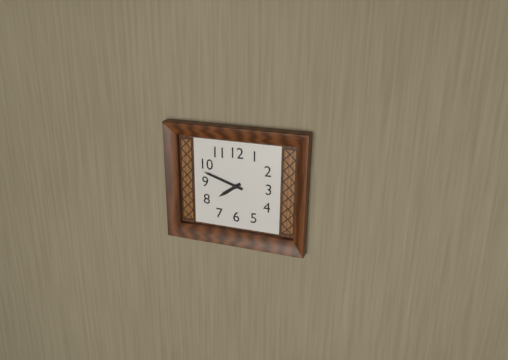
7:48
